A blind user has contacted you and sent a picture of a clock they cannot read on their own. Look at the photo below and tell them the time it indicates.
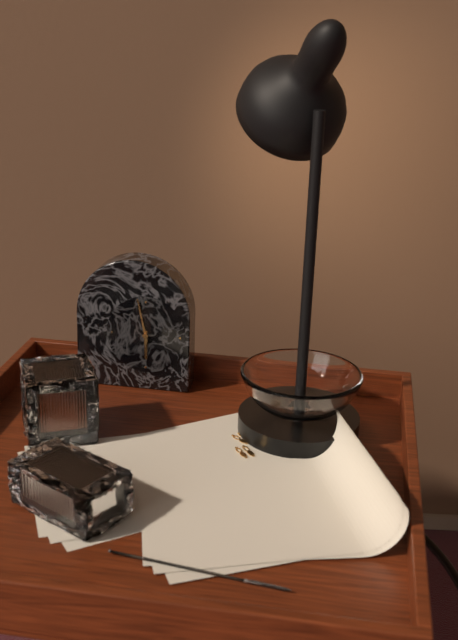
5:58
